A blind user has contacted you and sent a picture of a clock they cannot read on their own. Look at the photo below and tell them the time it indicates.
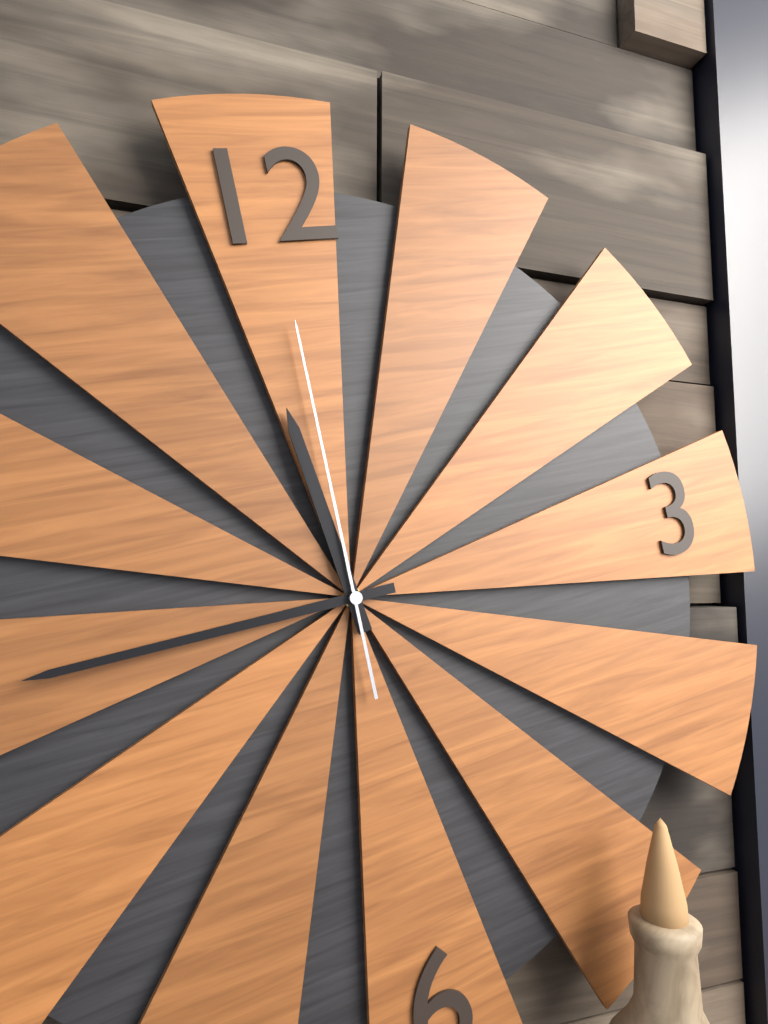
11:45:00
